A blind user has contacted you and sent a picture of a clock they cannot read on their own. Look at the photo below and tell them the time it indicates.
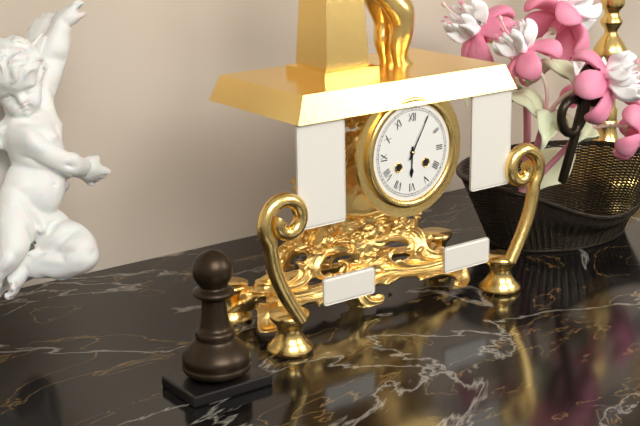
6:05
